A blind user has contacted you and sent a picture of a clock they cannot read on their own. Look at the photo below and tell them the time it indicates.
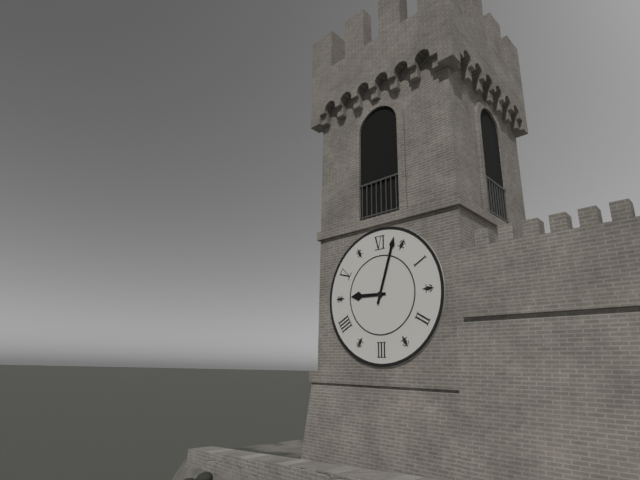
9:03
